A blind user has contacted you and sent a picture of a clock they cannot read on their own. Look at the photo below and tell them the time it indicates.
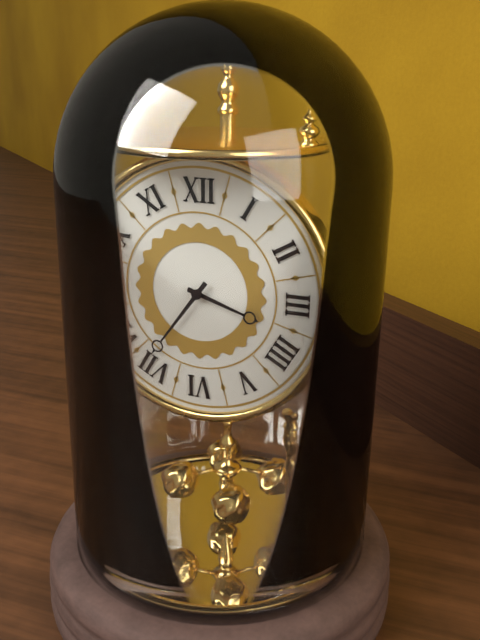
3:36
